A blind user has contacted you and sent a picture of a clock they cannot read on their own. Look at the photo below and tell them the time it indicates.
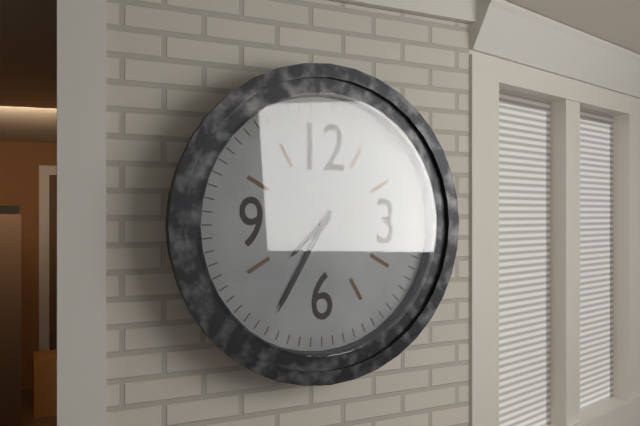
7:35
